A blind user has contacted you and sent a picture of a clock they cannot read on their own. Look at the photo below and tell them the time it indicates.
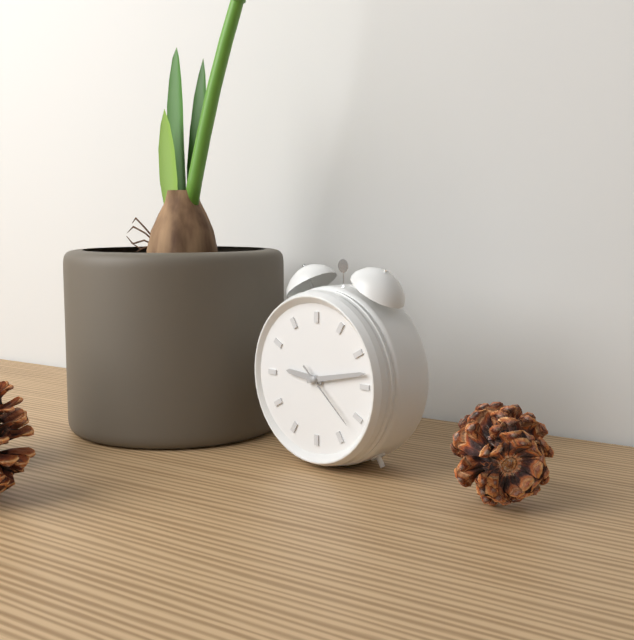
9:13:22
